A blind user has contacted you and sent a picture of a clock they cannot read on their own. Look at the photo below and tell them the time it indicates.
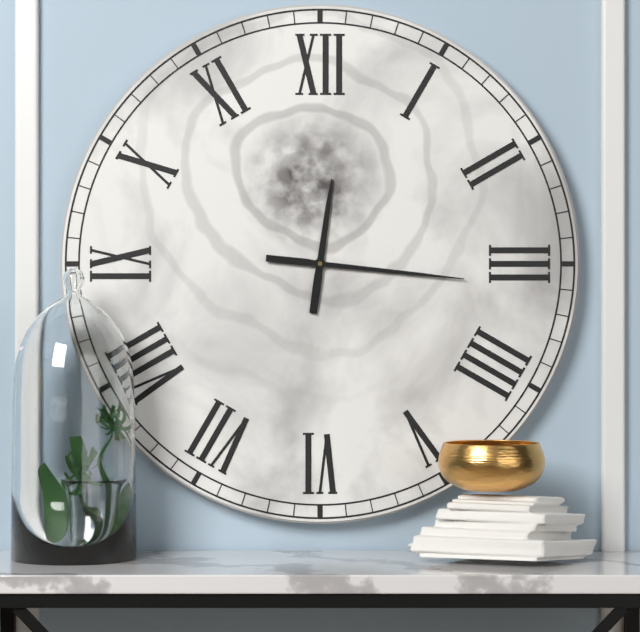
12:16
